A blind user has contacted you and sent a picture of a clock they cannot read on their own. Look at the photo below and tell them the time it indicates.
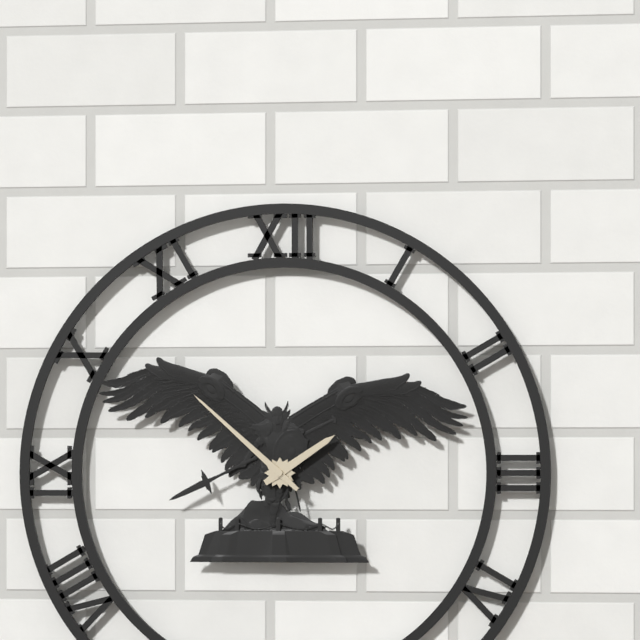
1:52
